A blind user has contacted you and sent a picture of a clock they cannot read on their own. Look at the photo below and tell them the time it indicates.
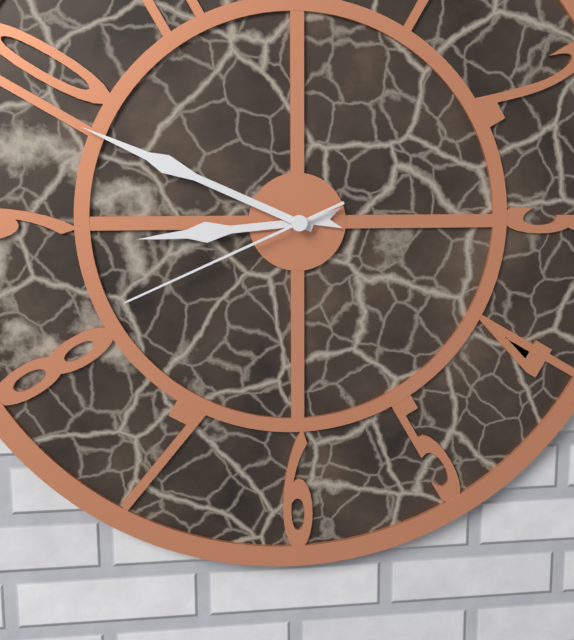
8:49:41
